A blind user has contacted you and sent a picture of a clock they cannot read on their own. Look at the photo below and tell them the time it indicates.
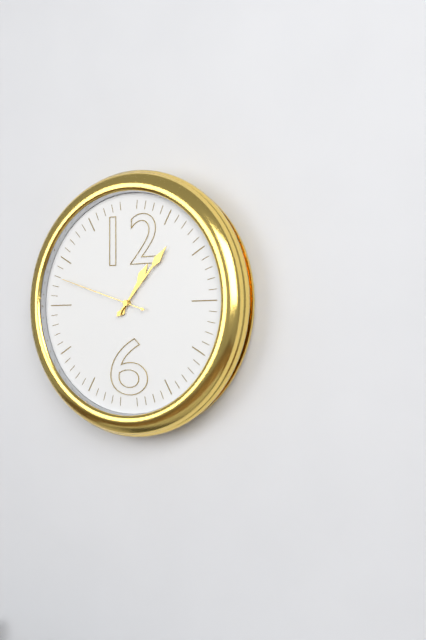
1:07:48
